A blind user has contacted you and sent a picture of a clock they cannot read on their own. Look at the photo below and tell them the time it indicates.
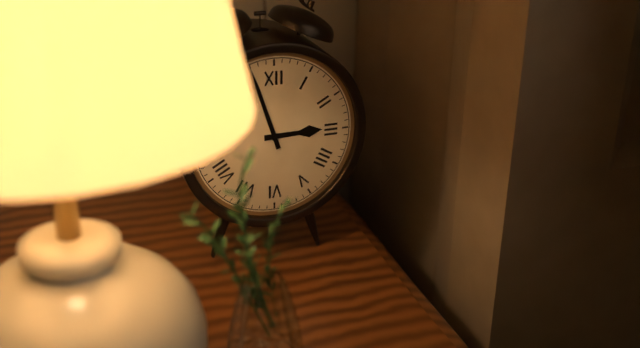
2:57
